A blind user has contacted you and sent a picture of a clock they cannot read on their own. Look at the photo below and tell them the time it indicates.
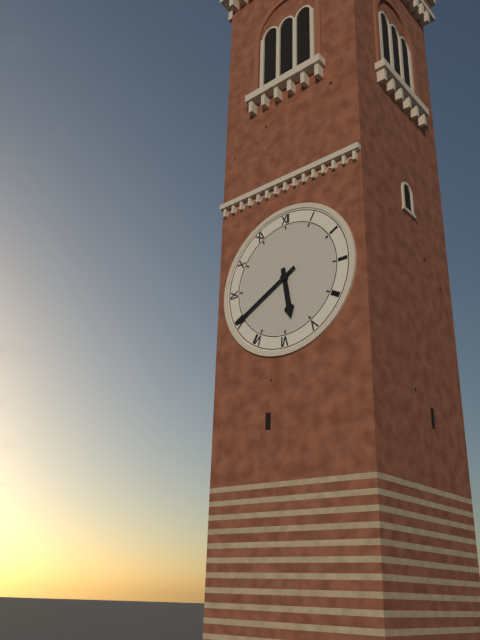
5:40
